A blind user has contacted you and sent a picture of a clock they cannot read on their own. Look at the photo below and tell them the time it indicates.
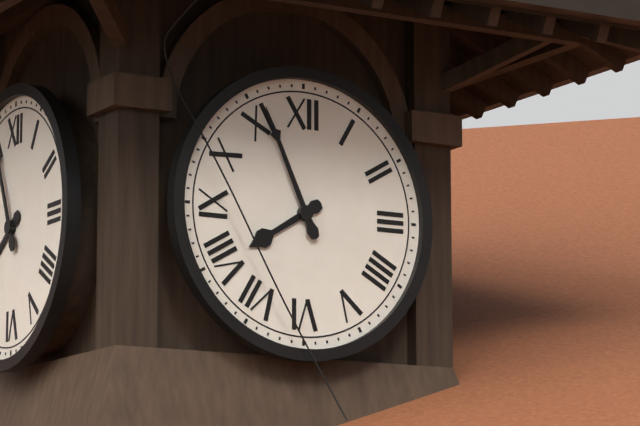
7:56
